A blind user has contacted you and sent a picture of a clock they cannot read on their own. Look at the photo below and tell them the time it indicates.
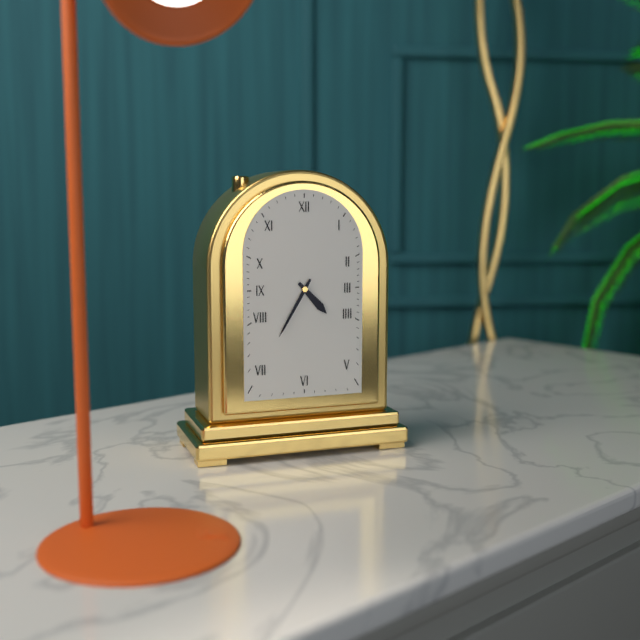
4:35
